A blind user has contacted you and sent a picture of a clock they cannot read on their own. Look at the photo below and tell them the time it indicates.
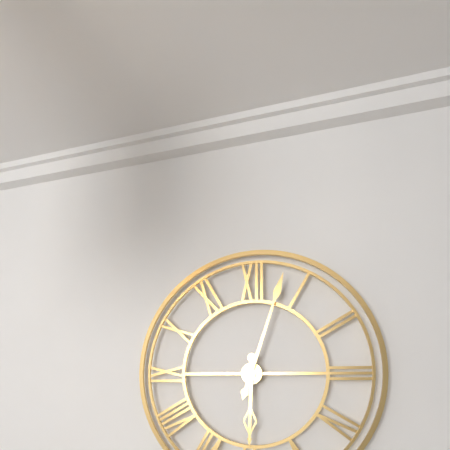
6:03
